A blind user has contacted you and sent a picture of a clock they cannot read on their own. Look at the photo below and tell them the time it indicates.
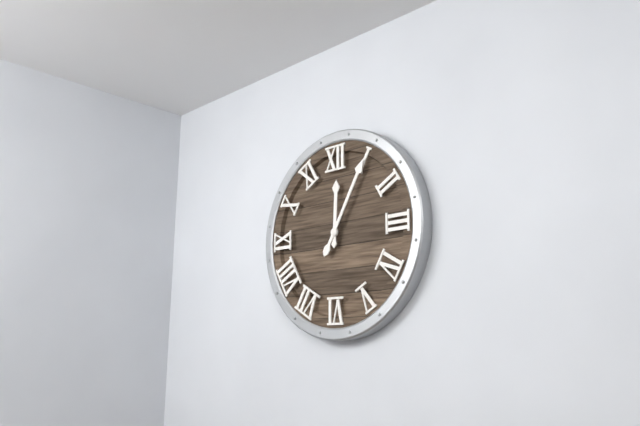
12:05
